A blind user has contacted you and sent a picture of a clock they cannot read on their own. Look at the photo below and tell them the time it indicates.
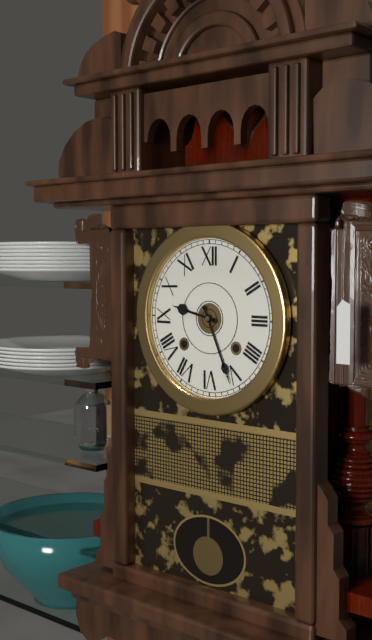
9:26
